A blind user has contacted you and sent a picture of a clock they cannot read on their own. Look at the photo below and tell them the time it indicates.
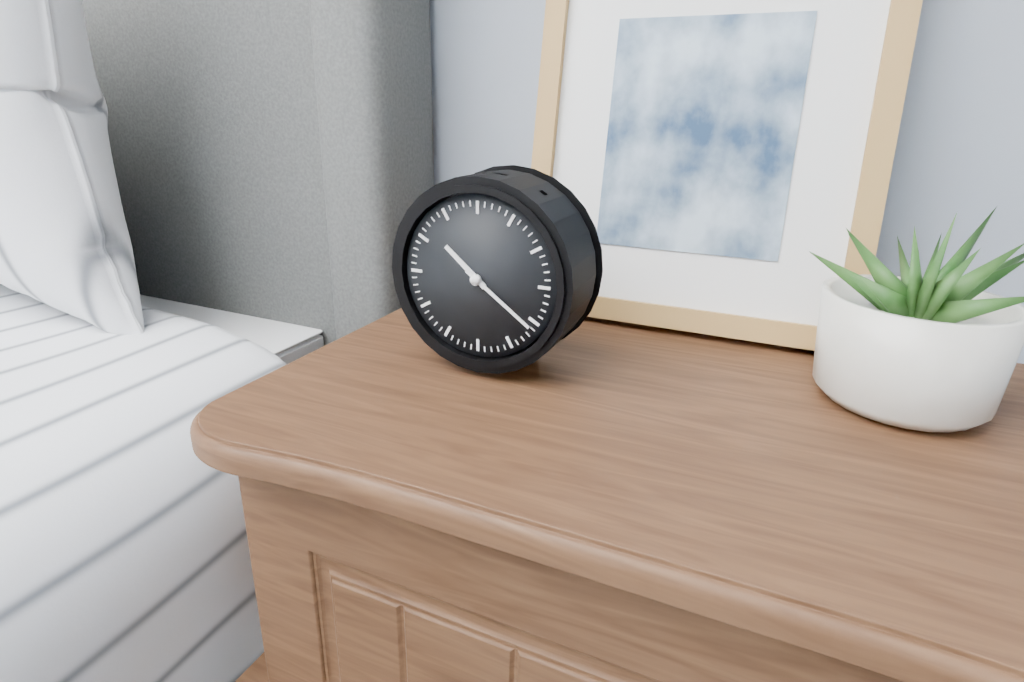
10:21
